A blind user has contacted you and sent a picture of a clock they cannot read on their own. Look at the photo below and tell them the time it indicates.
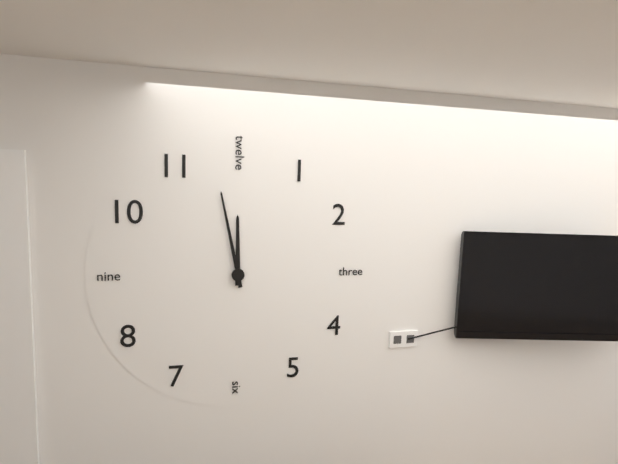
11:58
